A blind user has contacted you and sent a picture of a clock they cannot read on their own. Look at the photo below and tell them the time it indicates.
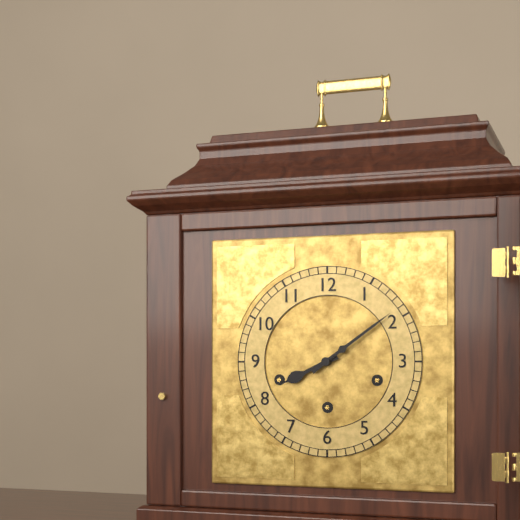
8:09
